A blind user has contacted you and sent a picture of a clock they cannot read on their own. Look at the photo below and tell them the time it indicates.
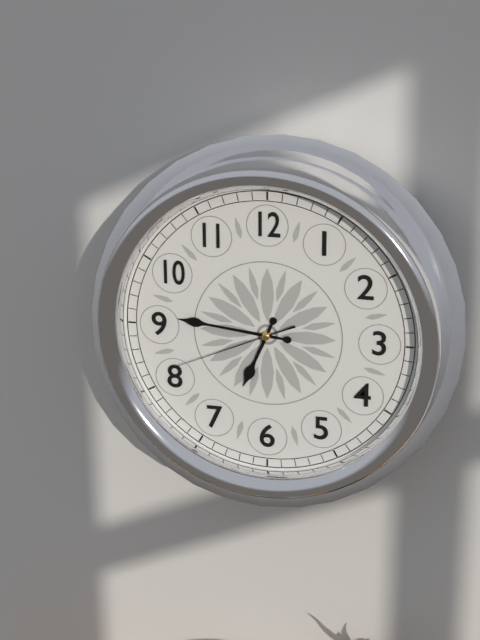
6:46:41
